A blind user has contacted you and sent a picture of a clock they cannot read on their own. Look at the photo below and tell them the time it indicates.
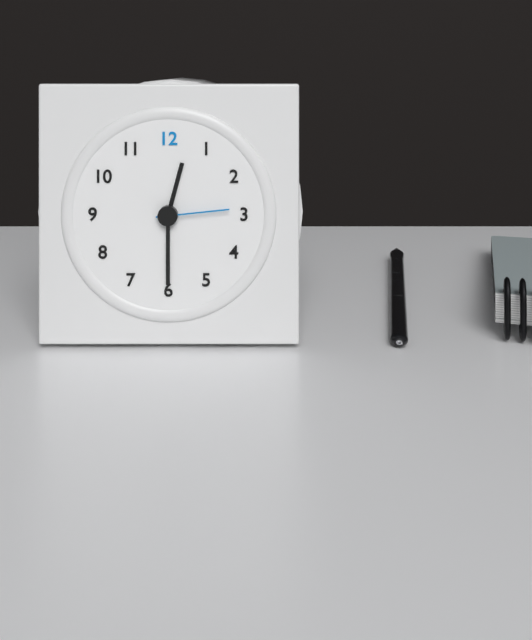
12:30:14
